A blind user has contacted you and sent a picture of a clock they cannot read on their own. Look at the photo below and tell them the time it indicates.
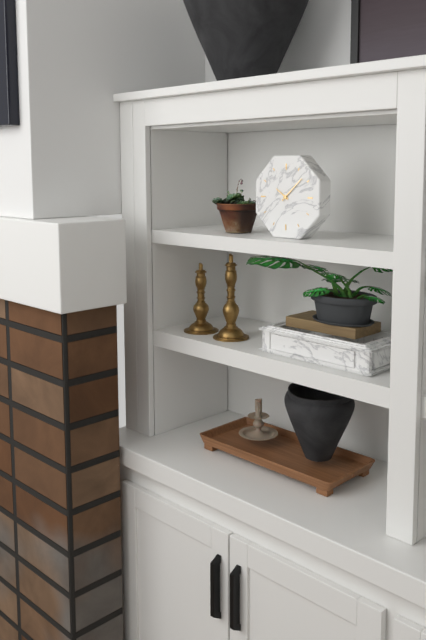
10:08
